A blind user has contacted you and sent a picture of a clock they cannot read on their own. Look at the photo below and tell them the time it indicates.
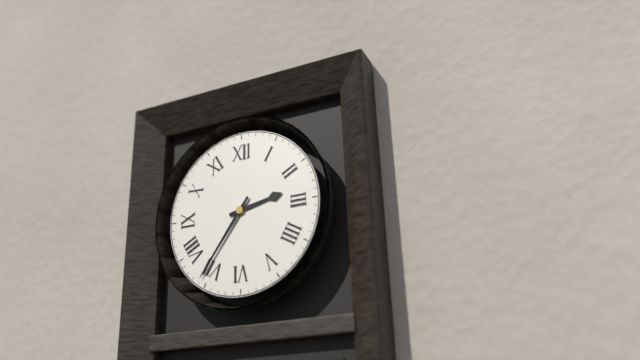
2:36
